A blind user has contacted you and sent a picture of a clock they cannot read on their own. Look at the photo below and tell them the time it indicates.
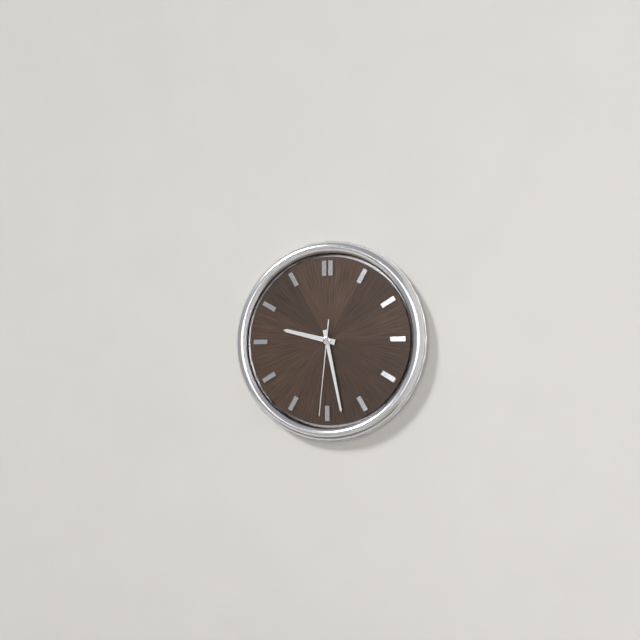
9:28:31
